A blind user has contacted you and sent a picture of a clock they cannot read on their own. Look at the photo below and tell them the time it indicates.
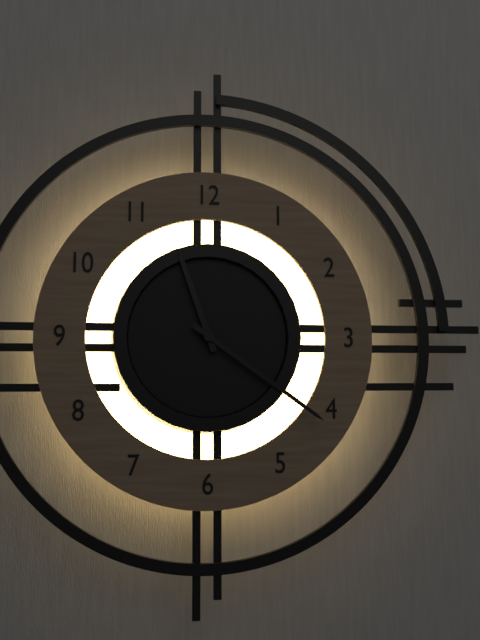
11:21
